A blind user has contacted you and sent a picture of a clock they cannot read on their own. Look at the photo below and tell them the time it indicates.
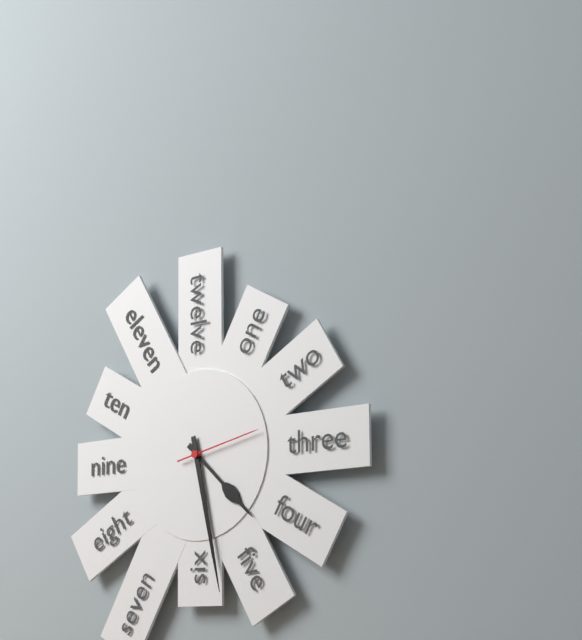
4:28:13
